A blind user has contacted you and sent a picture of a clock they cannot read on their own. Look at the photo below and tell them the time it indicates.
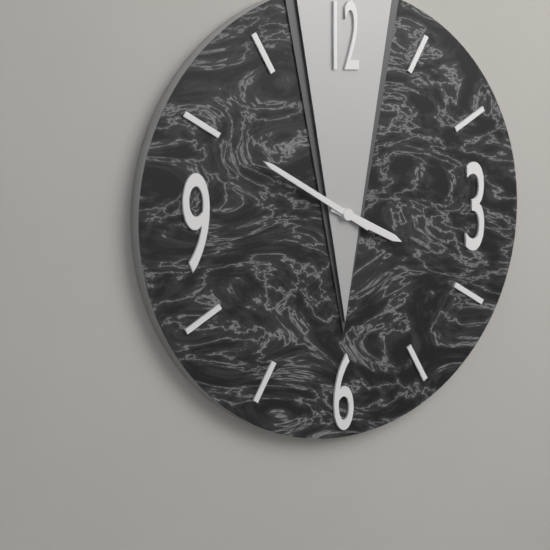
3:50
